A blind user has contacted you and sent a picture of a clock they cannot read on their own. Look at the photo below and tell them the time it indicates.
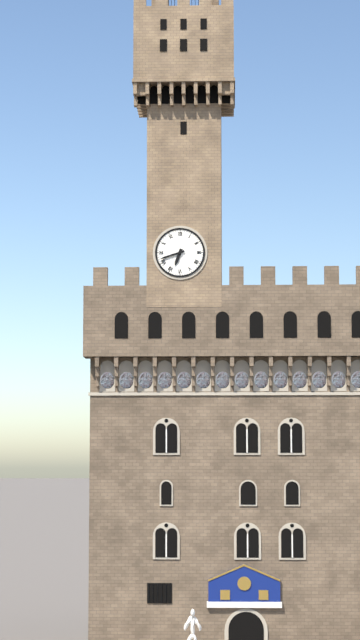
6:42
